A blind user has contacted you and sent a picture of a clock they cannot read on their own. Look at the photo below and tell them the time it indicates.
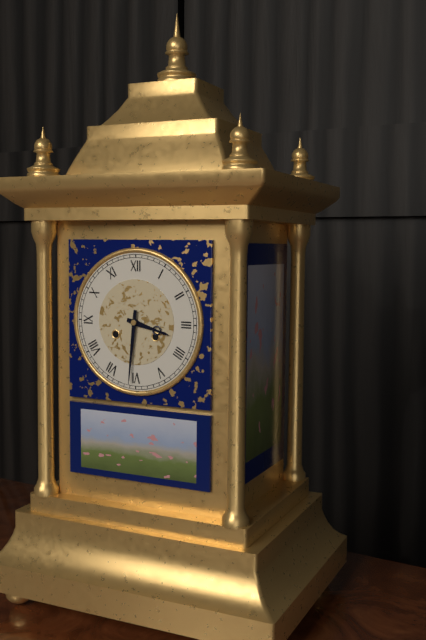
3:31
